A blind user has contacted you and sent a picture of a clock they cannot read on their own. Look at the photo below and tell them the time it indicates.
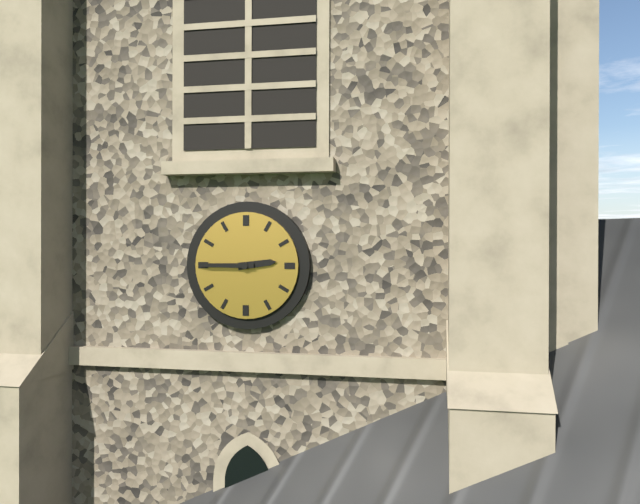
2:45
